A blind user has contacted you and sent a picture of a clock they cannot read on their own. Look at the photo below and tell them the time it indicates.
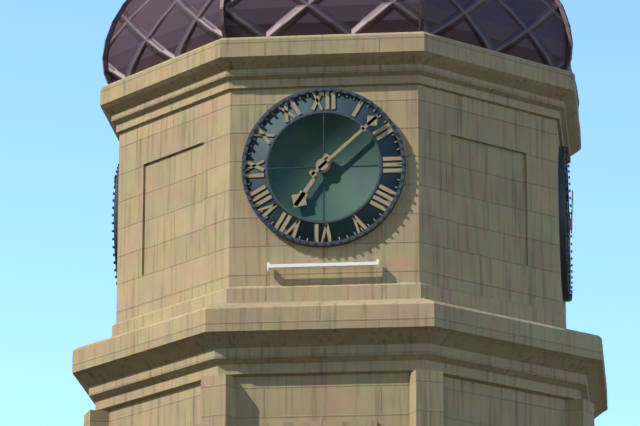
7:08
